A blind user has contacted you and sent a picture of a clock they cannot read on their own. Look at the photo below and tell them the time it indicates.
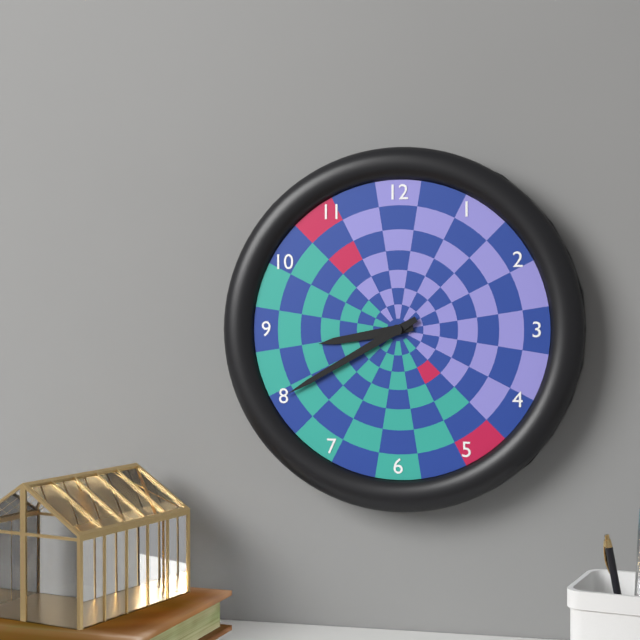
8:40
